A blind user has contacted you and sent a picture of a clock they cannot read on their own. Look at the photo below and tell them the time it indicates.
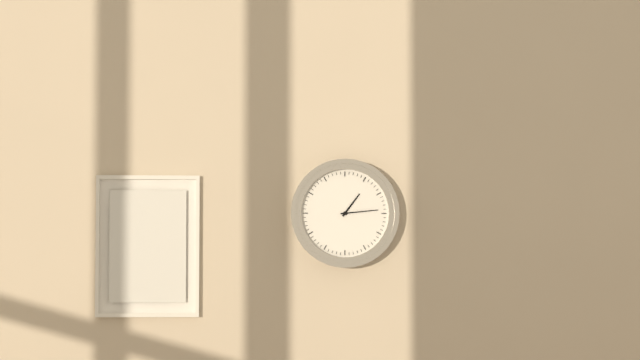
1:14
